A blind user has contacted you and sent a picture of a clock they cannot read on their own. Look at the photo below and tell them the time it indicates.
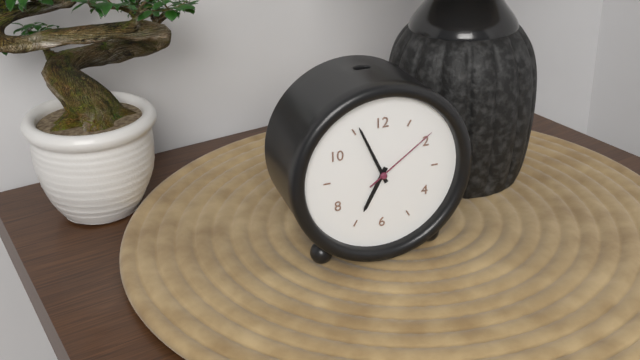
6:56:09
